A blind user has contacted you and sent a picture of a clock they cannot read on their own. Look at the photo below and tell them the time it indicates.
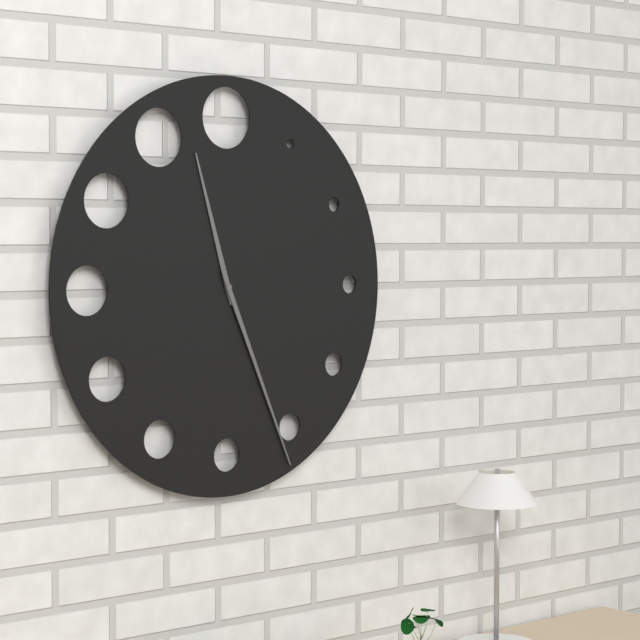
11:26
